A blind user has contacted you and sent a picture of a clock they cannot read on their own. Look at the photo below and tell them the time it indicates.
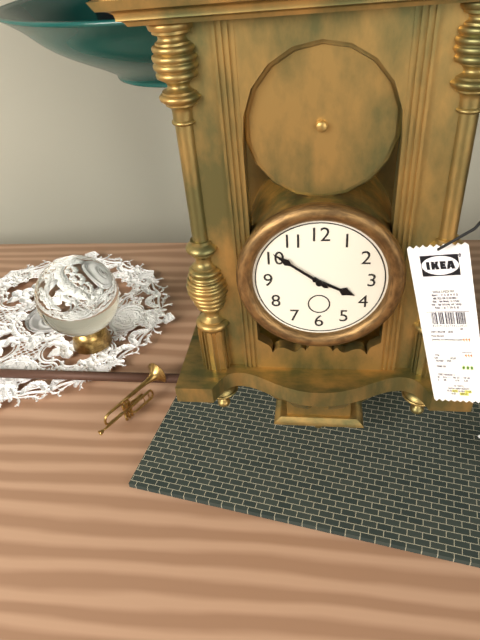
3:51
